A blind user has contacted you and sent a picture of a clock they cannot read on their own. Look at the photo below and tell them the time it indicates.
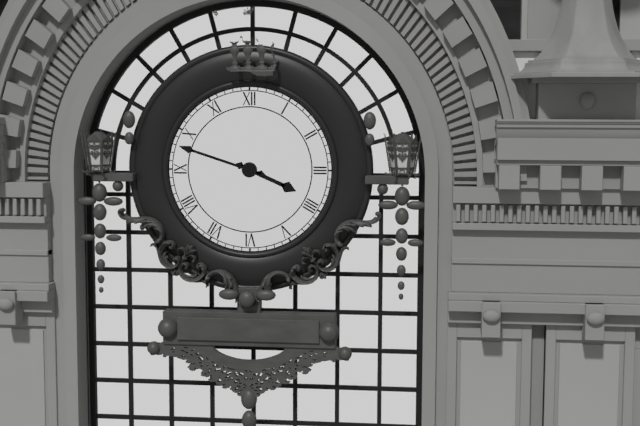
3:48
